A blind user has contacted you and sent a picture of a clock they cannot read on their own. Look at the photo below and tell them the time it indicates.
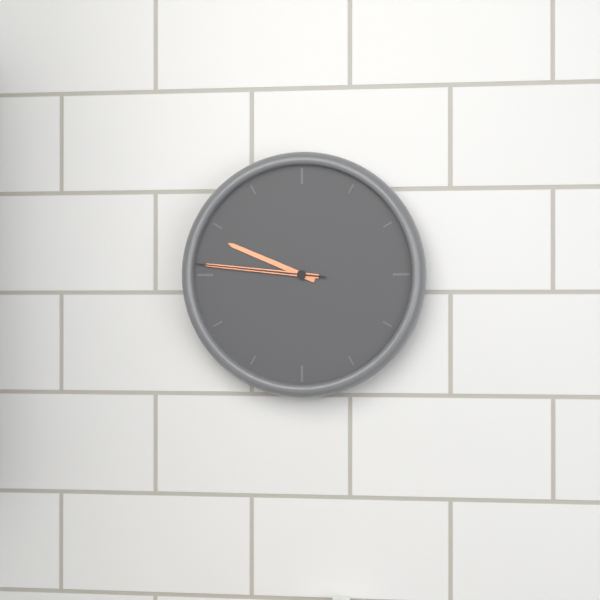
9:46:46
